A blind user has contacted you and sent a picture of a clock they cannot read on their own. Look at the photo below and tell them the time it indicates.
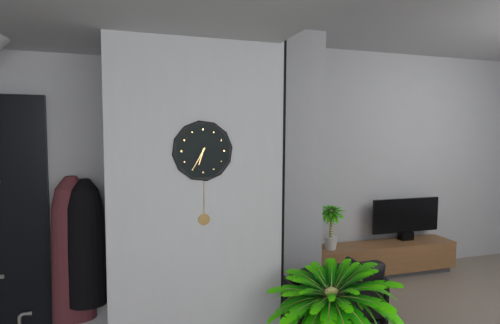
6:35
